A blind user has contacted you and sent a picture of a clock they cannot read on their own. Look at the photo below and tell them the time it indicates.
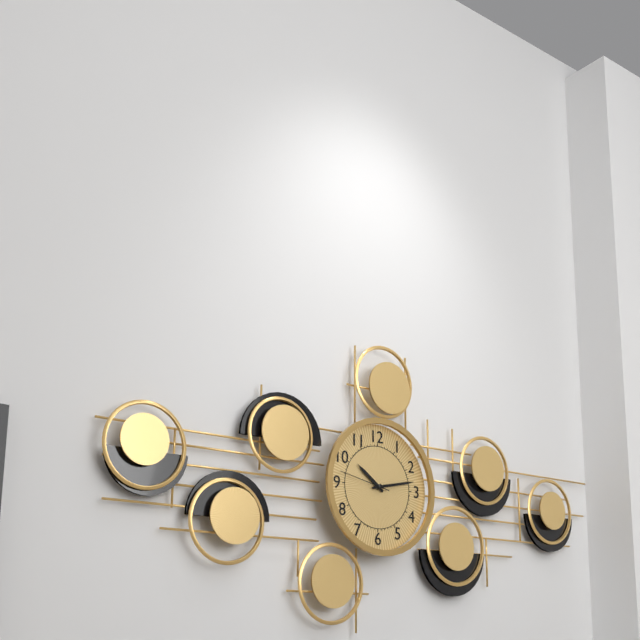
10:13:47
